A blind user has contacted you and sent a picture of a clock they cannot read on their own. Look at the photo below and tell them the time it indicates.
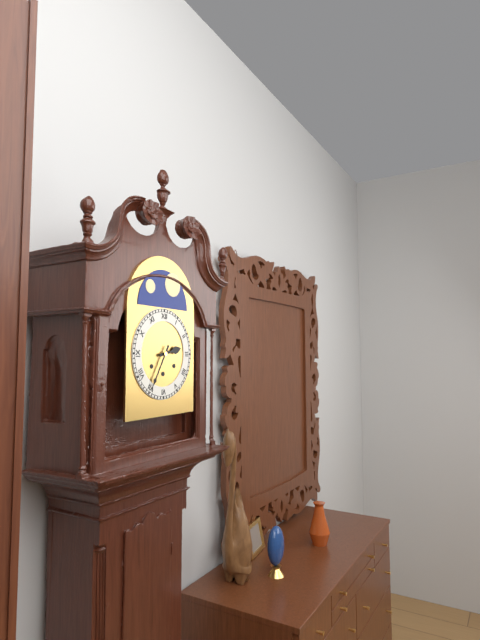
2:35
